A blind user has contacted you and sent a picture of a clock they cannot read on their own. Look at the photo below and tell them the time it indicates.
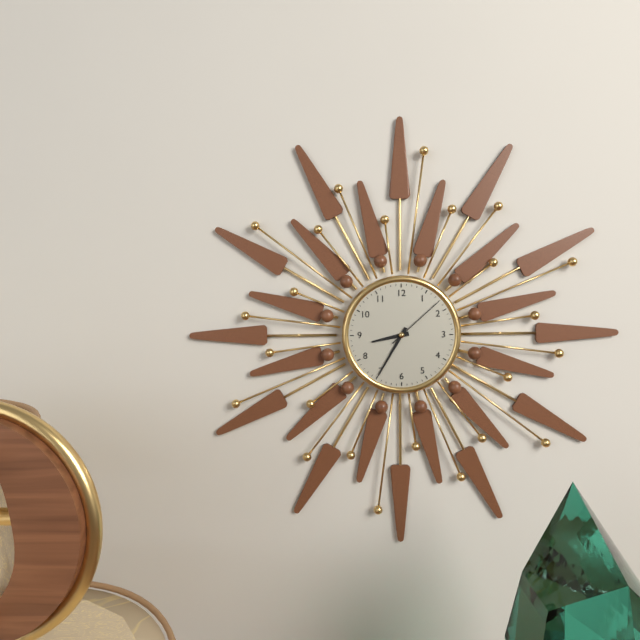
8:35:08
